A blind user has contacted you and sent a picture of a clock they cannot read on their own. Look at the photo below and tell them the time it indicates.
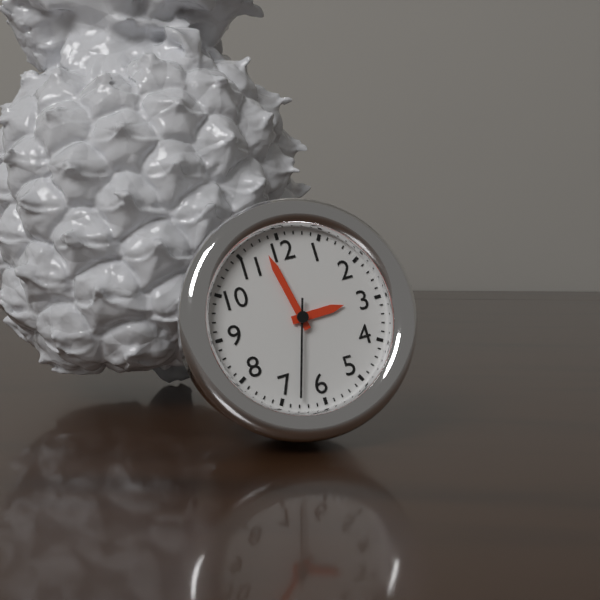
2:58:33
